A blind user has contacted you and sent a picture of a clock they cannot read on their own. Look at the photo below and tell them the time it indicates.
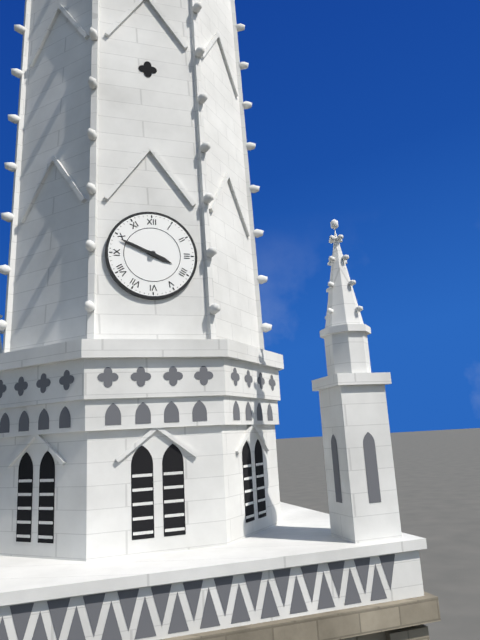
3:49
